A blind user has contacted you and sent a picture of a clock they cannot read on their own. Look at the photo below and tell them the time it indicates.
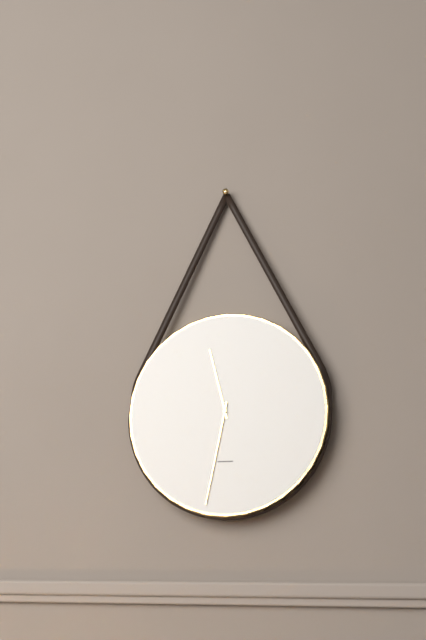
11:32
